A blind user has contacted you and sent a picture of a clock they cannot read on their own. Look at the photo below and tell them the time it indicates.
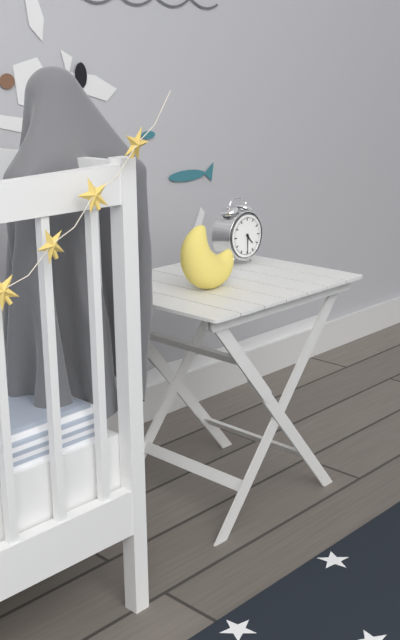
4:30
